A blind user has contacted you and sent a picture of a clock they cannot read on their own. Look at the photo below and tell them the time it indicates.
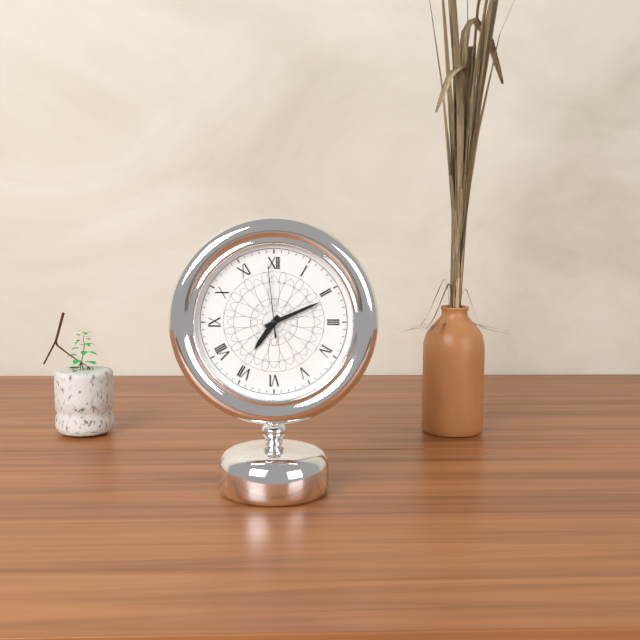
7:11:59
